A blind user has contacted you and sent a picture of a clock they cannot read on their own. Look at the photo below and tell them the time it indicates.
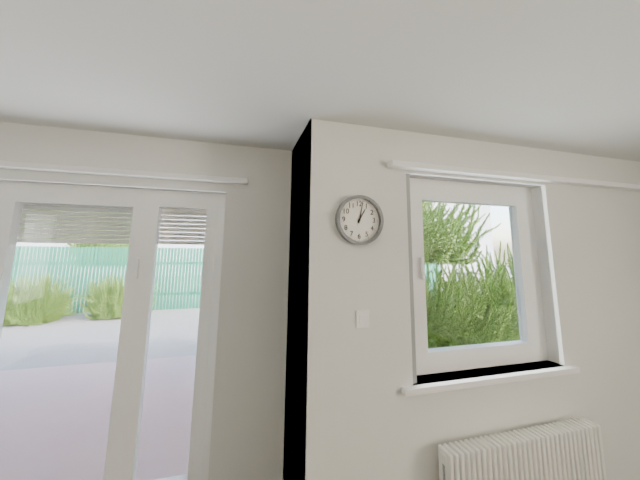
1:02
